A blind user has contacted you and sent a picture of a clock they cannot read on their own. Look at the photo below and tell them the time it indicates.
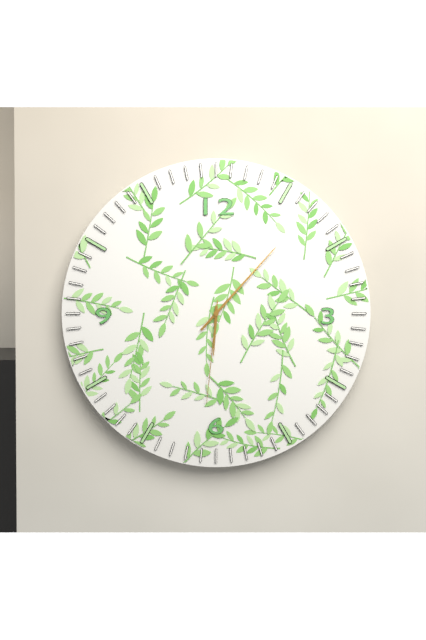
6:07:31
